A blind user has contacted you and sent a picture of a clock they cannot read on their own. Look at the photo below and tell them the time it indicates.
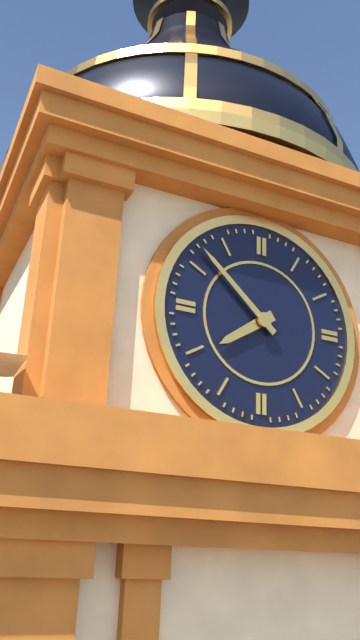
7:52
